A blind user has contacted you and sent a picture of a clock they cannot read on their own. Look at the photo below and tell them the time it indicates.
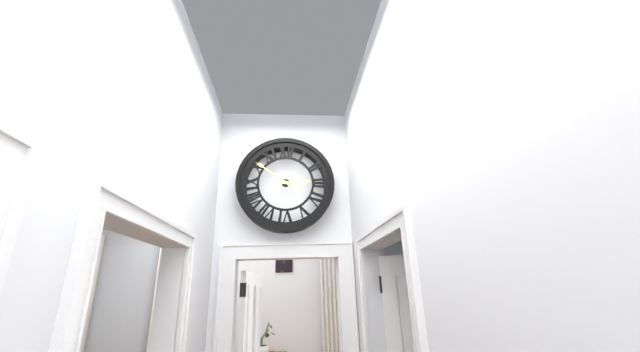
2:51
